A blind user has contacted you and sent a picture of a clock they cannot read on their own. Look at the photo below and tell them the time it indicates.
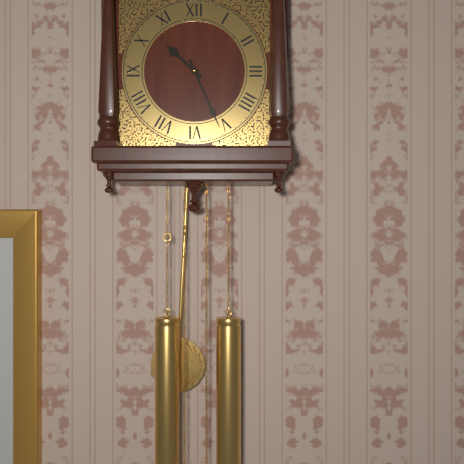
10:26
